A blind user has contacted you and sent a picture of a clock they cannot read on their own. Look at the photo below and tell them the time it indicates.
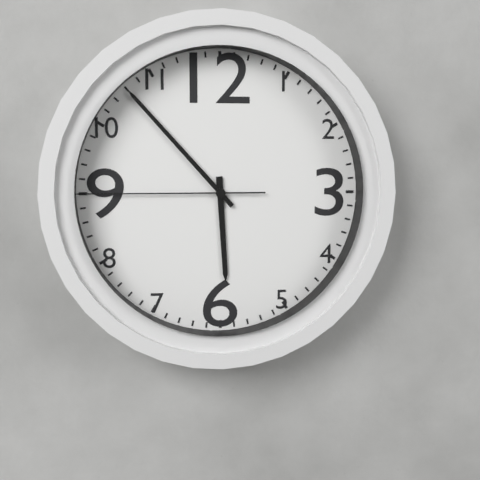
5:53:45
